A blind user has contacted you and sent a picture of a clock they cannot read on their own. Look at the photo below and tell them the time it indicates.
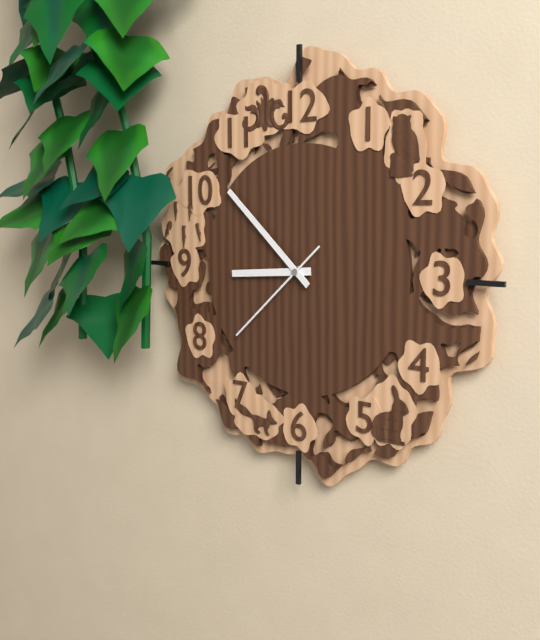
8:52:38
